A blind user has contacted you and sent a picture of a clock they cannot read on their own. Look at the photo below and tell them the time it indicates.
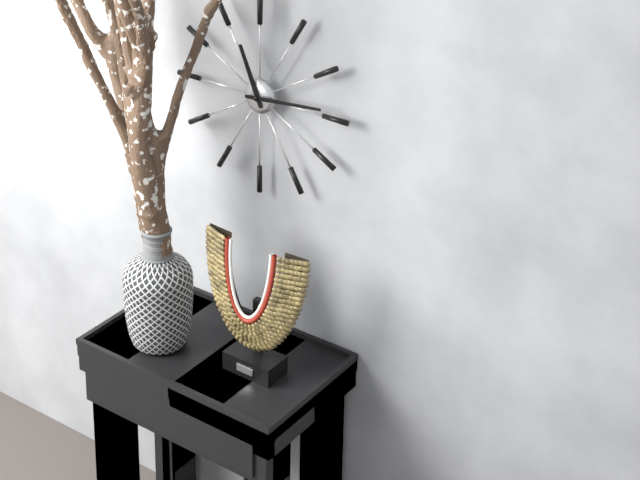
11:14
